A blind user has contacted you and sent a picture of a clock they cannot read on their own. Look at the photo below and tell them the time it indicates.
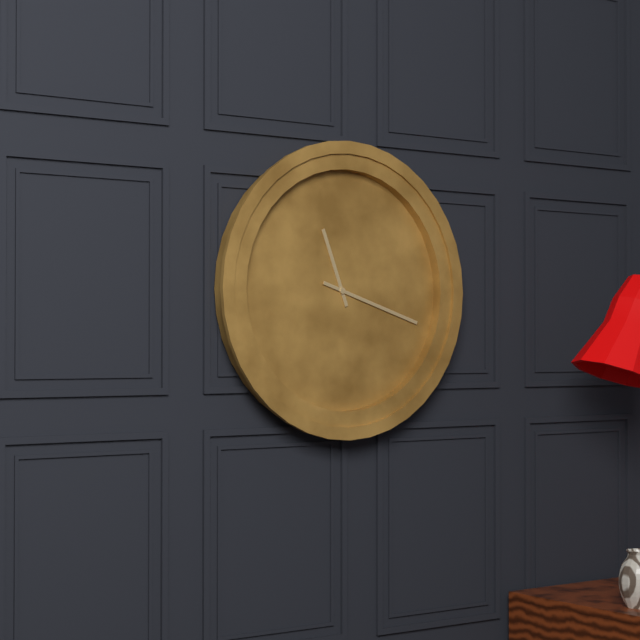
11:18
